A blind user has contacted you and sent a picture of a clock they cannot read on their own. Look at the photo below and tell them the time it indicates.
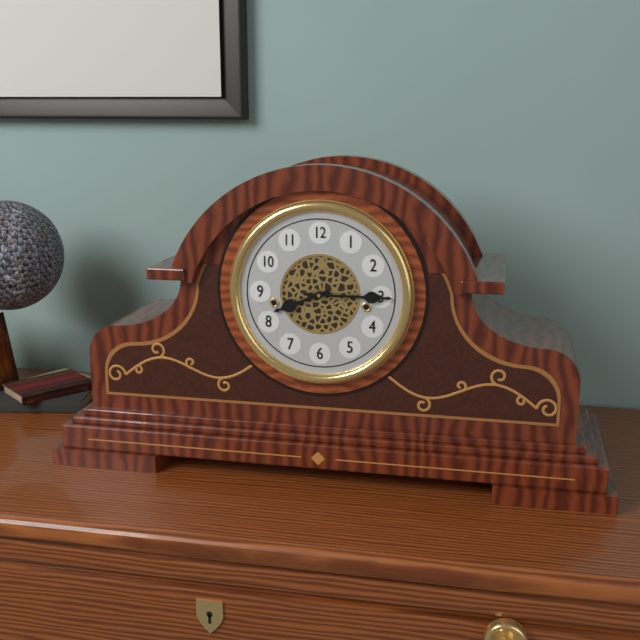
8:15
